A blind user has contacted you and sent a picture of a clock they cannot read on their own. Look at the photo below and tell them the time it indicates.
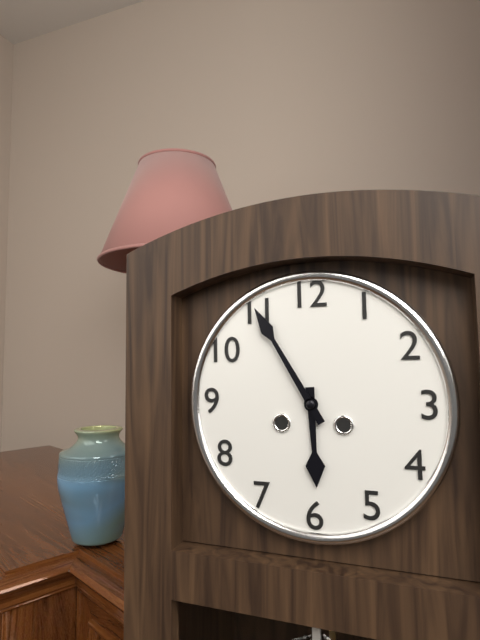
5:55
